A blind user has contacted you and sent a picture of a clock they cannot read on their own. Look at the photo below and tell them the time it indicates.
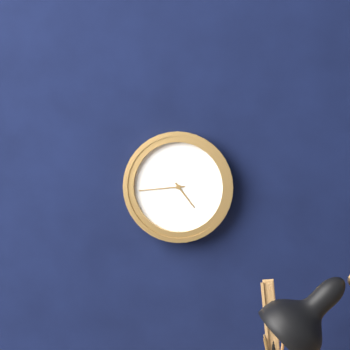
4:44
